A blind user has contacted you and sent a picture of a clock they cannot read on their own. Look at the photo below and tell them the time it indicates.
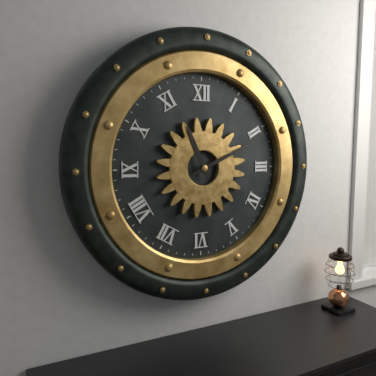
11:11
